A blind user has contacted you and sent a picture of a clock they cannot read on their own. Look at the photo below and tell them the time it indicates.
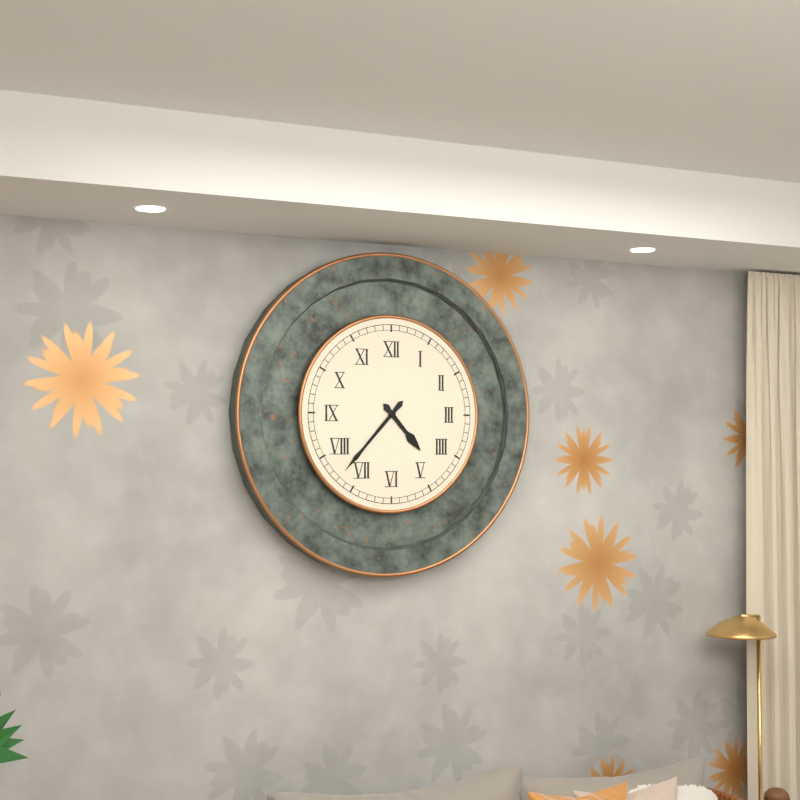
4:37
